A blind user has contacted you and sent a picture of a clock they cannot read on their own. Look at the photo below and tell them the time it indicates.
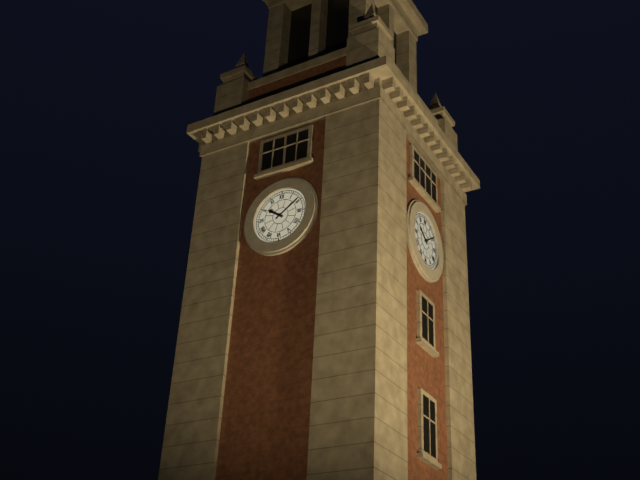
10:09
